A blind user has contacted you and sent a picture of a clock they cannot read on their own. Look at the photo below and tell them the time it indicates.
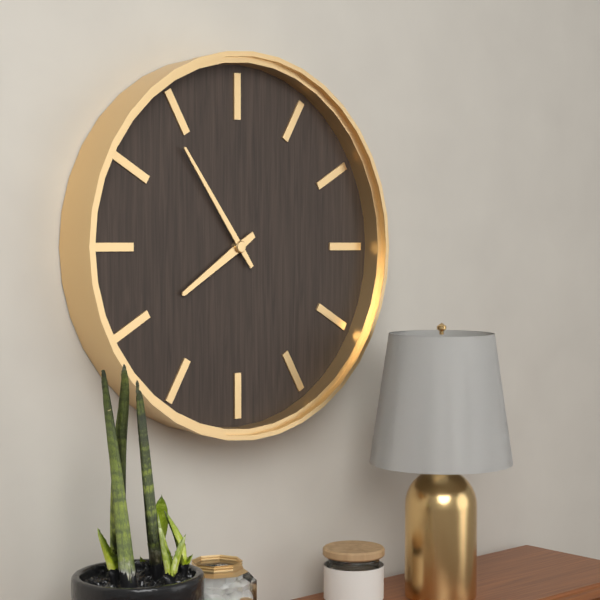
7:54
